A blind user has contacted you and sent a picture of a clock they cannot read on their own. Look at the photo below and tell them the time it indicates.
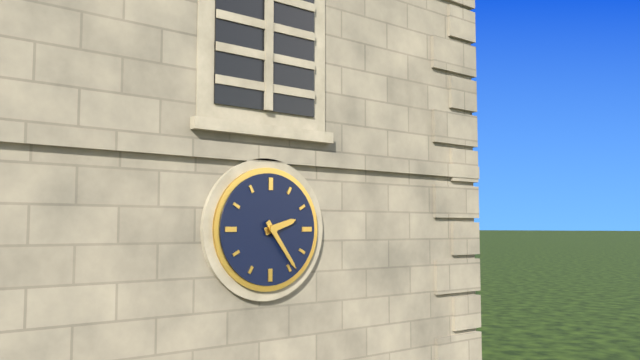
2:24
